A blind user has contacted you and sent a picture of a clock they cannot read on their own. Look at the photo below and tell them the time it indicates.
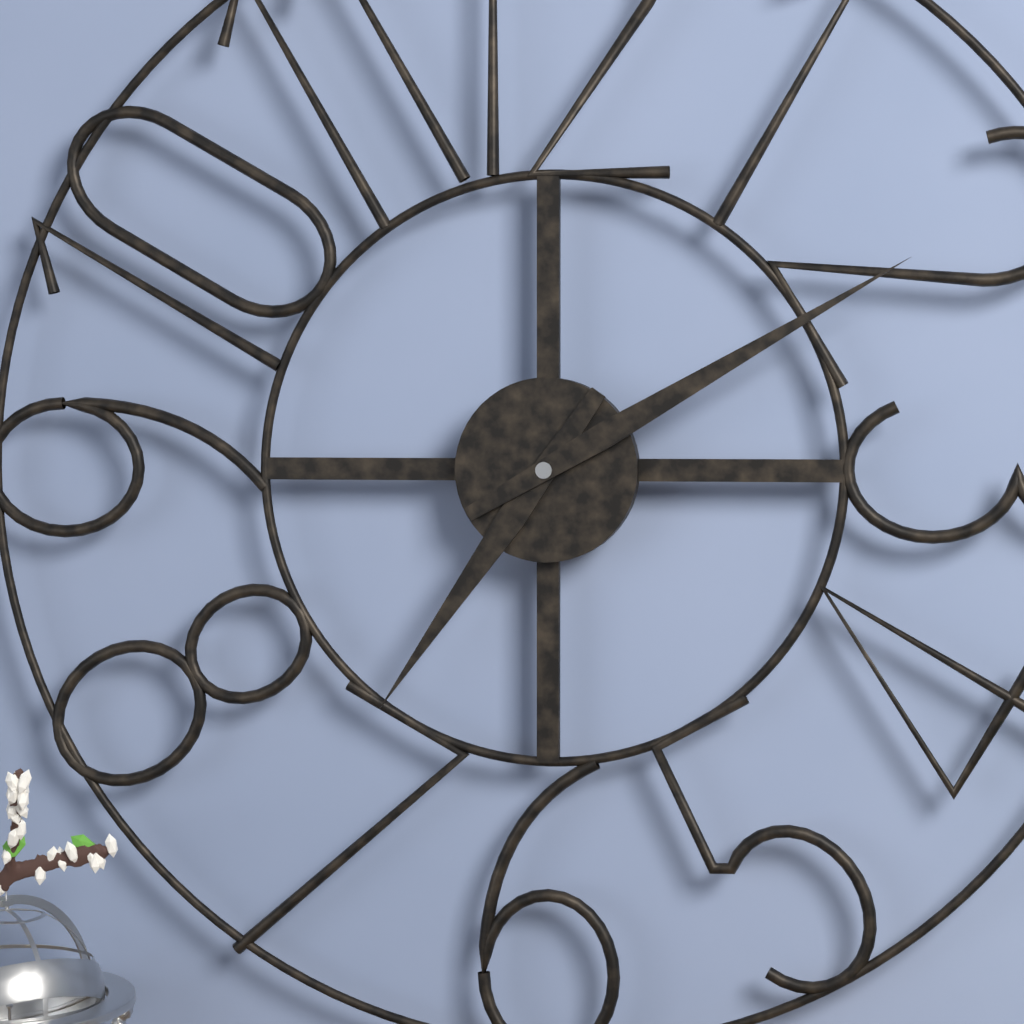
7:10
